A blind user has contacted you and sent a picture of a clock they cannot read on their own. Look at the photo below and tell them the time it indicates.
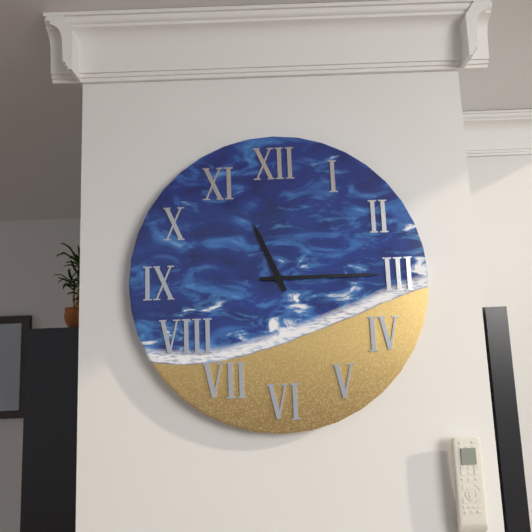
11:15
